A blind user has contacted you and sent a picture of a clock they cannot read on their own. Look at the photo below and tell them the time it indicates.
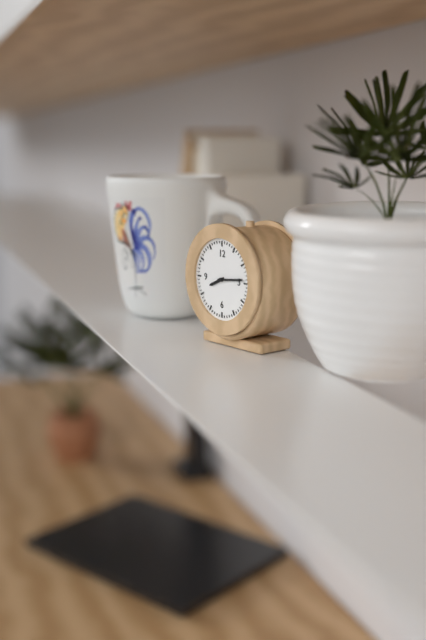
8:14
